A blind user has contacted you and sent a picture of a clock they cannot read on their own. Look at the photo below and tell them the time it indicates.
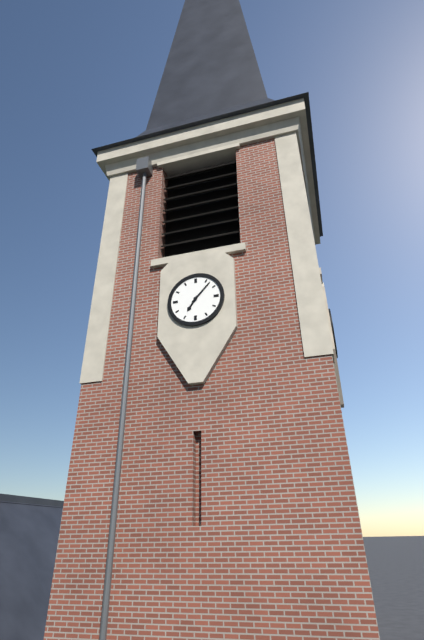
7:07
